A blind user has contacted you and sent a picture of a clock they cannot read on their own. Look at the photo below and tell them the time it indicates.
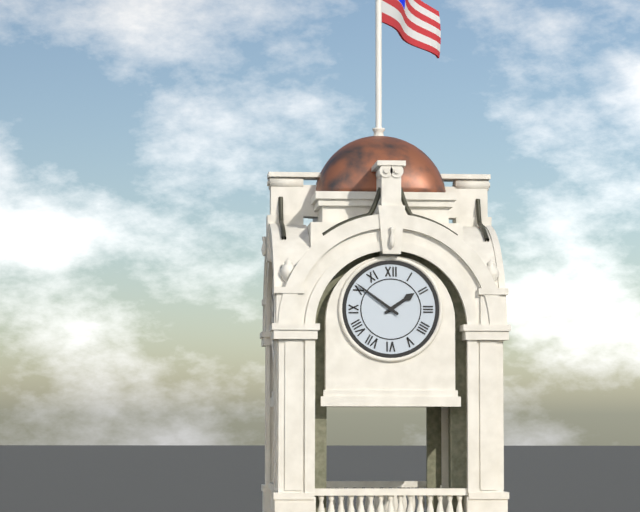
1:51
